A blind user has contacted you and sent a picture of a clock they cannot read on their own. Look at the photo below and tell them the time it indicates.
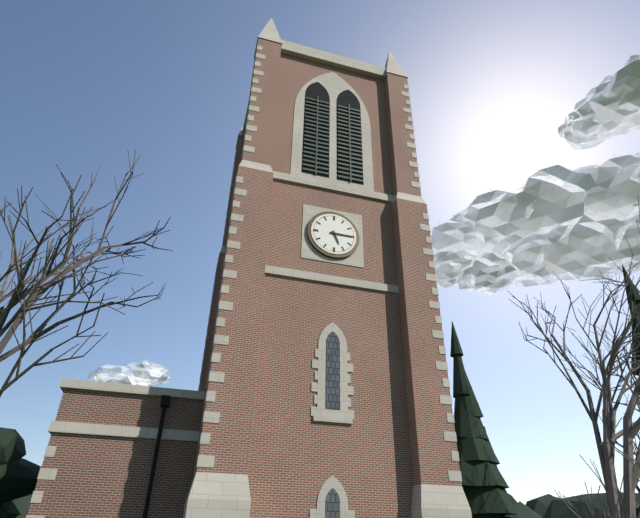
5:15
